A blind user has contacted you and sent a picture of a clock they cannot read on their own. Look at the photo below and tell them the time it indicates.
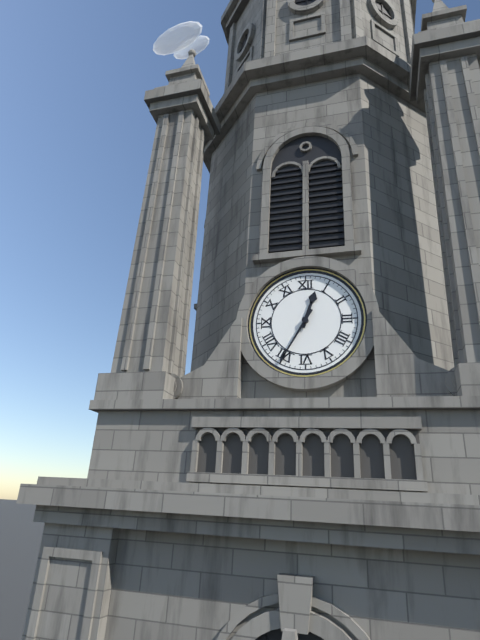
12:35
